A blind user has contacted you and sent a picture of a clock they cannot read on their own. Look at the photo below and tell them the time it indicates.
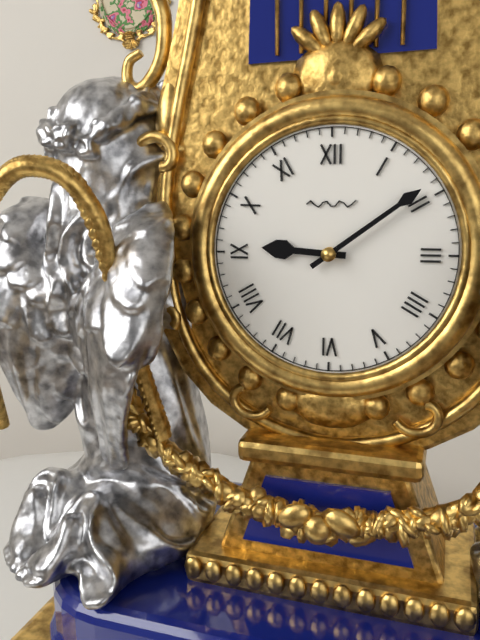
9:09
